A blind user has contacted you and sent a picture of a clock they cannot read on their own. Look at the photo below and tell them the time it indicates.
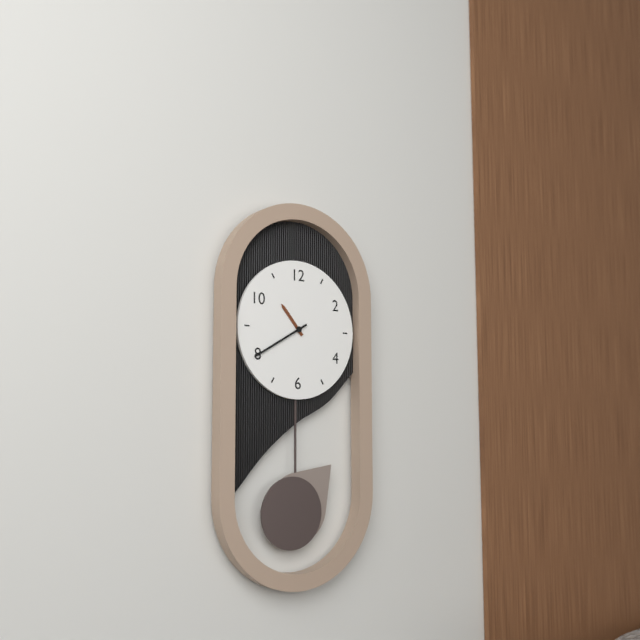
10:40
